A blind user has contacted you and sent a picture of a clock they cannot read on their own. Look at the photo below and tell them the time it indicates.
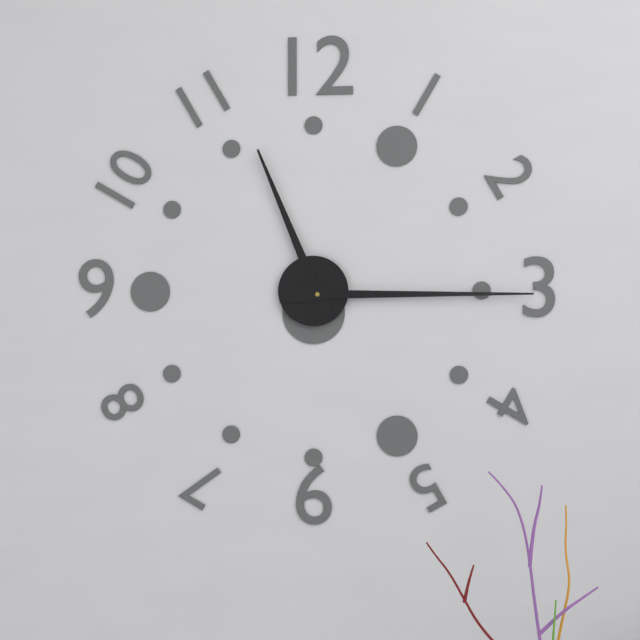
11:15
